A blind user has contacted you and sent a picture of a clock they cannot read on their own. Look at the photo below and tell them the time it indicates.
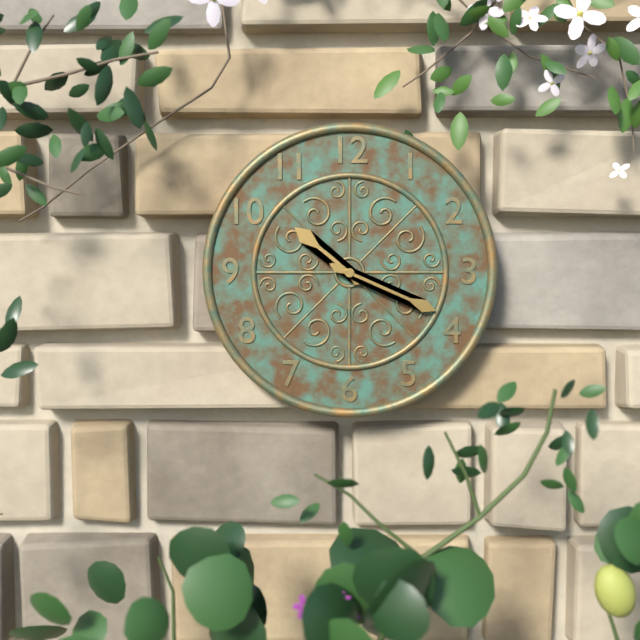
10:19
